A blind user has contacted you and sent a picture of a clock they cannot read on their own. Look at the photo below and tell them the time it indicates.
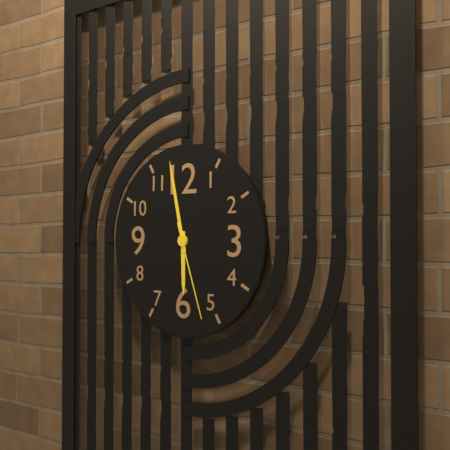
5:58:27
